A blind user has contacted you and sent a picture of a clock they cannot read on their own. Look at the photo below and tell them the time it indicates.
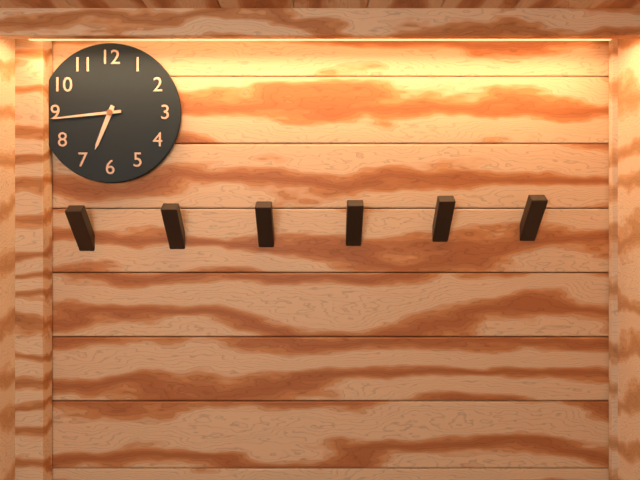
6:44
